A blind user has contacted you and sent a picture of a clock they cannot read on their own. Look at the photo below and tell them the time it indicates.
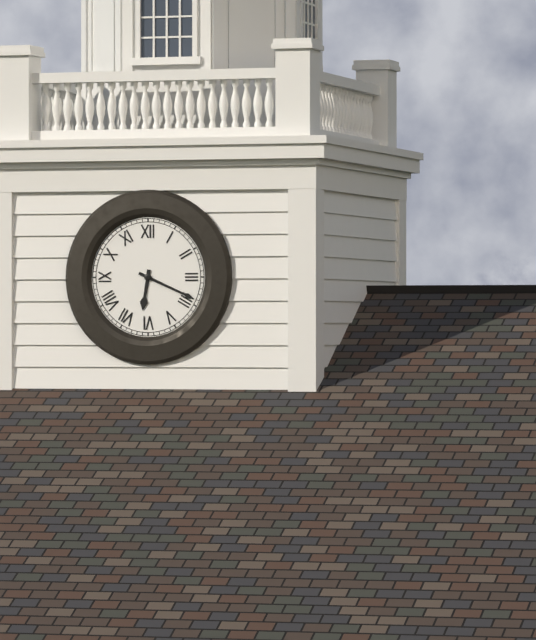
6:19
